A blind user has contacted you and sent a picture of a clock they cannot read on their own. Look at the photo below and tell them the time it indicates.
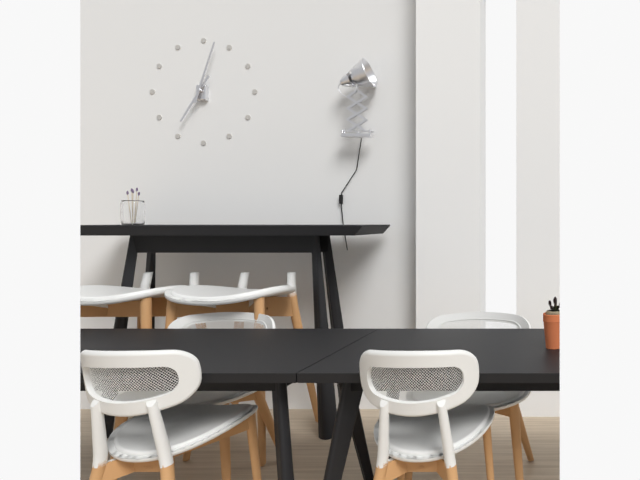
7:03
